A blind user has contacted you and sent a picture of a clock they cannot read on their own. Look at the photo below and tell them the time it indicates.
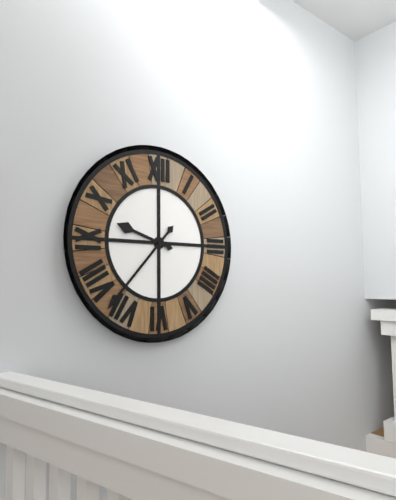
9:37
